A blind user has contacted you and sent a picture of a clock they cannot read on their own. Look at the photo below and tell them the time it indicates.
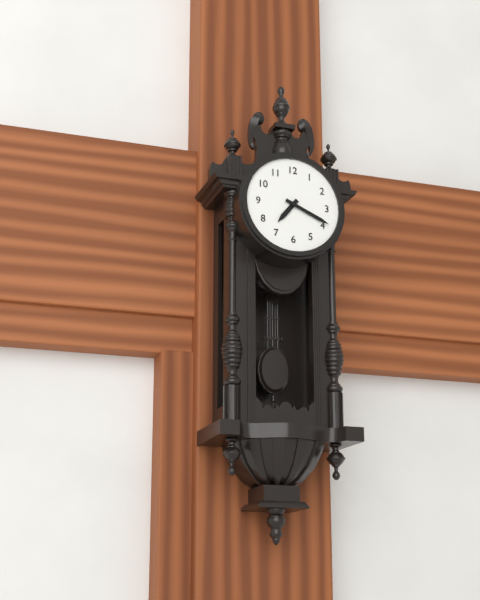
7:19
